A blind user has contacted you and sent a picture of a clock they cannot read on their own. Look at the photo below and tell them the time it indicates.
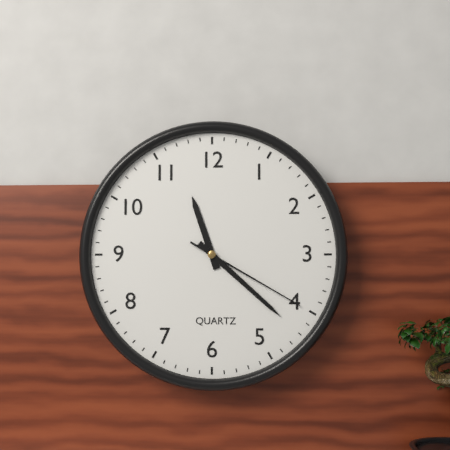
11:22:20
